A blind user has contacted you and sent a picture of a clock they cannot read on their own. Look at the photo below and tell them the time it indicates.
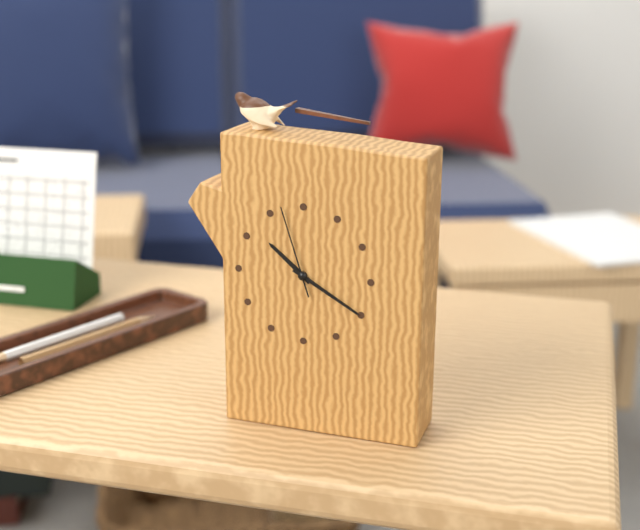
10:20:57
